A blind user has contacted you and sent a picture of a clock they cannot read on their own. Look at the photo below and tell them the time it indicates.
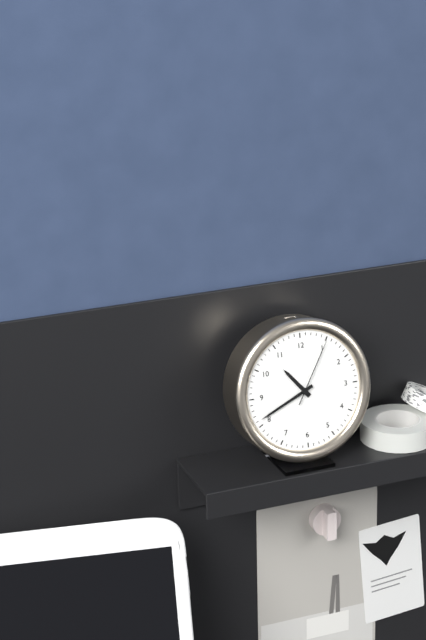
10:41:05
